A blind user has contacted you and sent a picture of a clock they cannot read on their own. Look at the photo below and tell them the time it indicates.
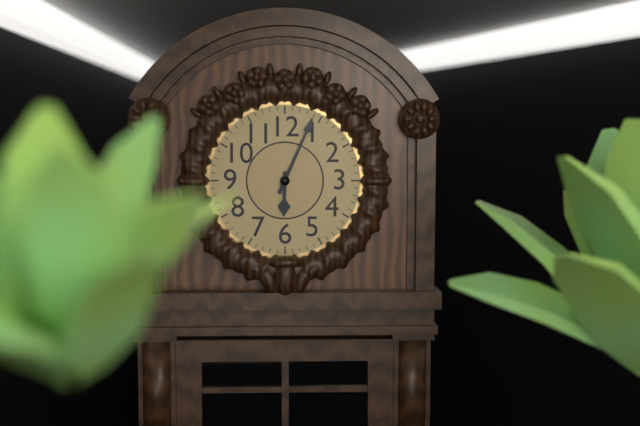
6:04
